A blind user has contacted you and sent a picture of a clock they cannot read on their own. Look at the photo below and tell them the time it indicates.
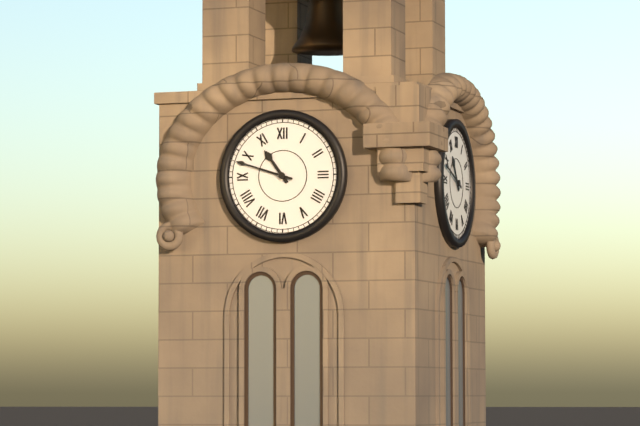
10:48
